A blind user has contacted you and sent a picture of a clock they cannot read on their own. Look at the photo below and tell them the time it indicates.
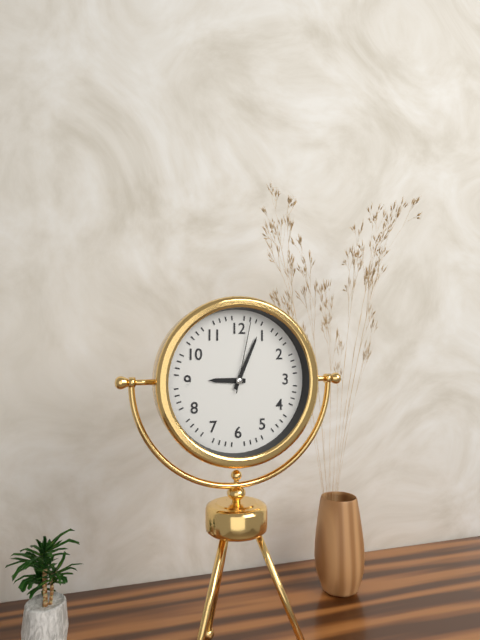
9:04:02
